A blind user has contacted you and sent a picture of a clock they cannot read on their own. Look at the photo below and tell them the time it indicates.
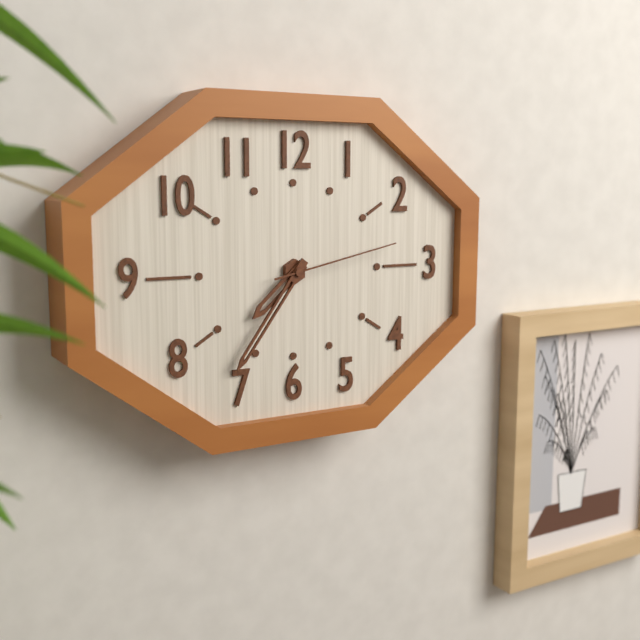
7:36:13
